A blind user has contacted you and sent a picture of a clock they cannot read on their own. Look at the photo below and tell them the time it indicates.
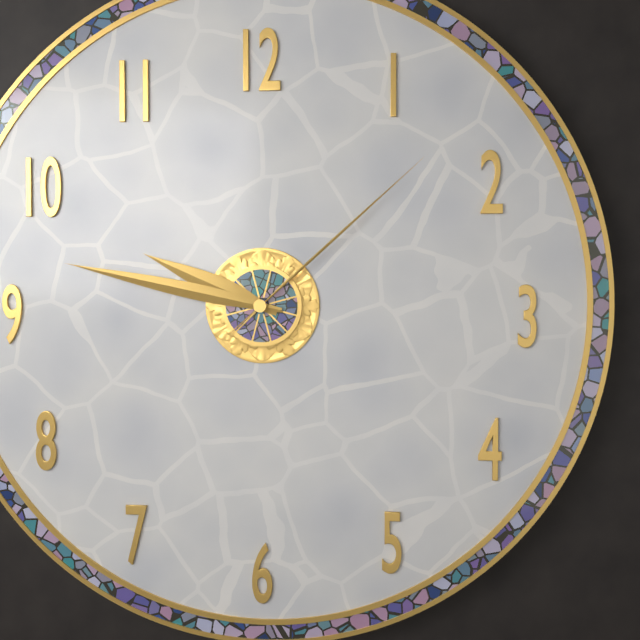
9:47:08
